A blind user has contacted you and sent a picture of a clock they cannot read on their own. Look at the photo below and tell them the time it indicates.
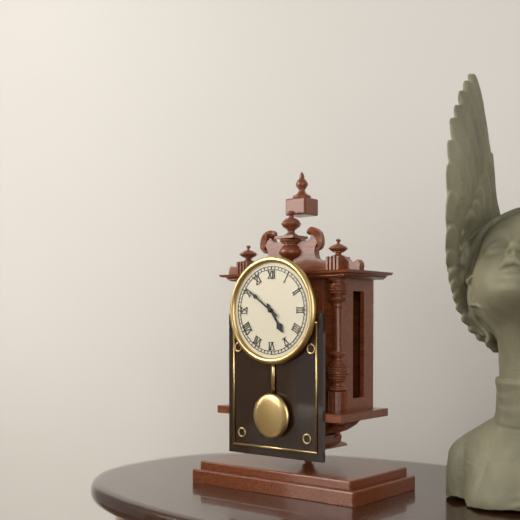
4:51
